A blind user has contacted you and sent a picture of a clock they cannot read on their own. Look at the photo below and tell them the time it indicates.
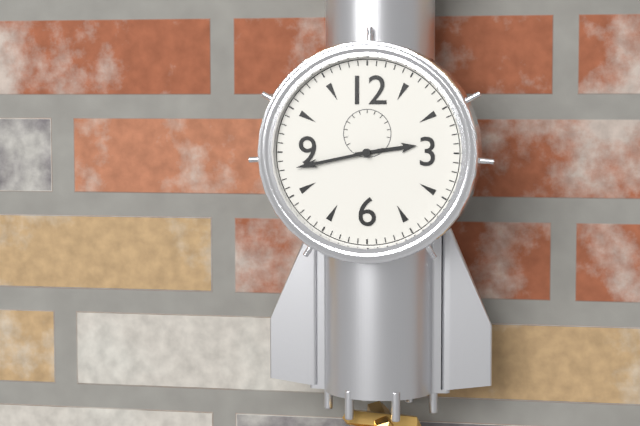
2:43
